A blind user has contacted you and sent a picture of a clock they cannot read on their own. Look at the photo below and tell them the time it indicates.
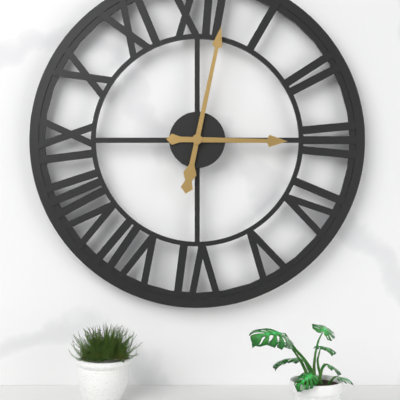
3:02
